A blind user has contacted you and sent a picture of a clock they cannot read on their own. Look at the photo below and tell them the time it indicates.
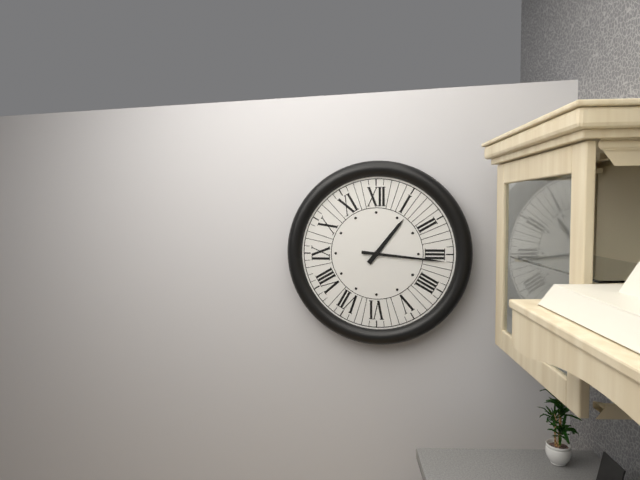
1:16
